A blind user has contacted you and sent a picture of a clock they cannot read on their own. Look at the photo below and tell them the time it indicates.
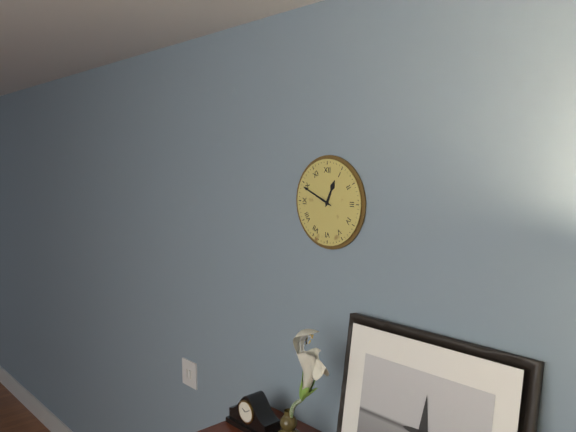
12:49
